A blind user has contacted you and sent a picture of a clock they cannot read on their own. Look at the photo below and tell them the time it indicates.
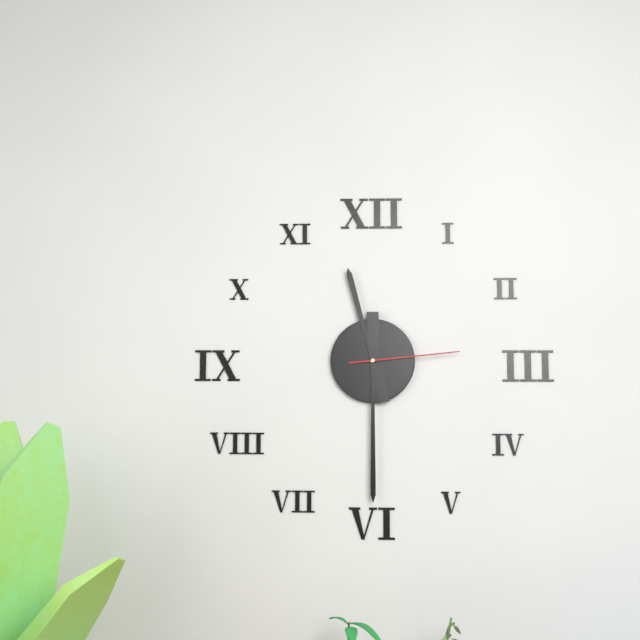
11:30:14
